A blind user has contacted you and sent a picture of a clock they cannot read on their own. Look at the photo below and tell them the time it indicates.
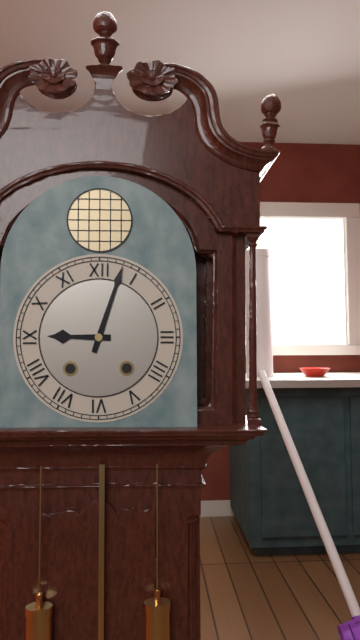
9:03
